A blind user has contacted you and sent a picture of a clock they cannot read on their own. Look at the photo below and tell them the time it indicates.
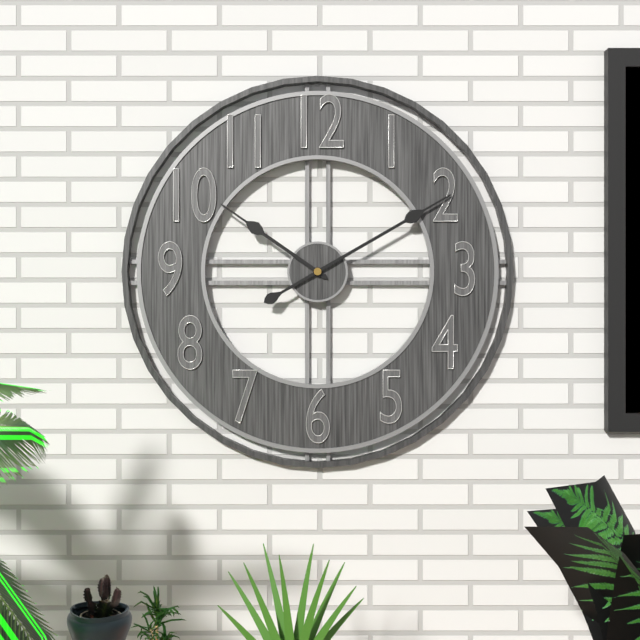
10:10
